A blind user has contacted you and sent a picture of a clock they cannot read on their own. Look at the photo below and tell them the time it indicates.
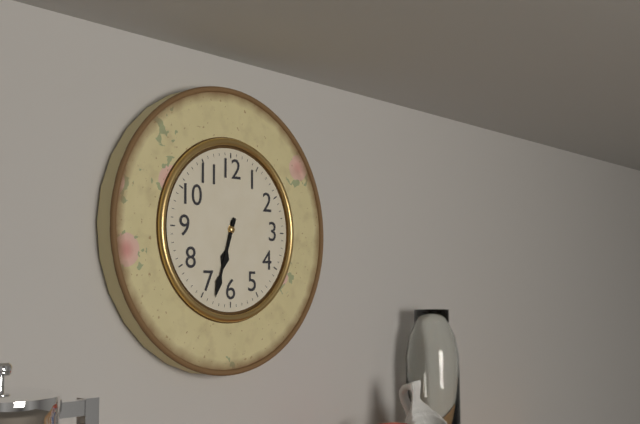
6:33
